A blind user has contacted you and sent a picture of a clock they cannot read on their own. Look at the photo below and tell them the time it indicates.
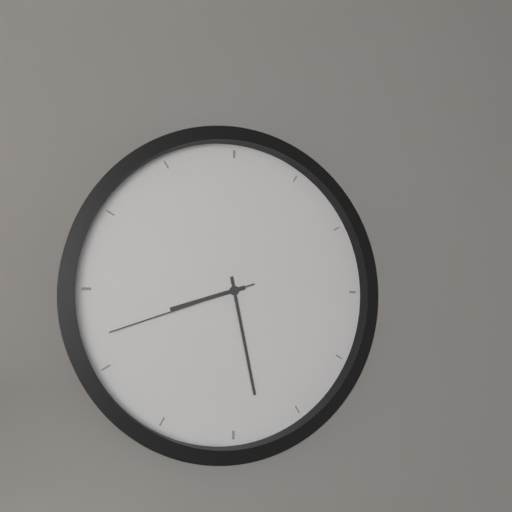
8:28:42
